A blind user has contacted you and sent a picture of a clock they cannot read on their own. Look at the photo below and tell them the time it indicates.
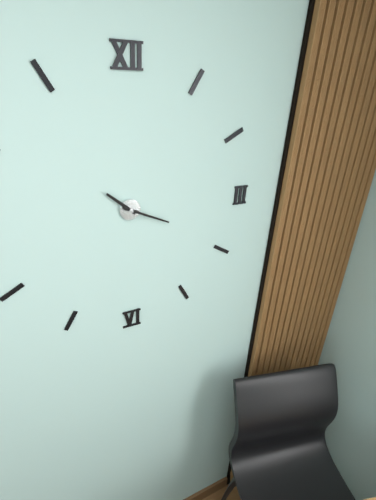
10:19
